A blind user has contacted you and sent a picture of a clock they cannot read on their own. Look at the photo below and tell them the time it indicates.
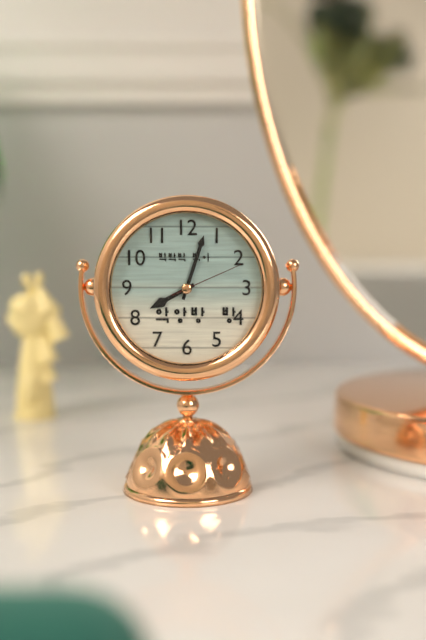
8:03:11
